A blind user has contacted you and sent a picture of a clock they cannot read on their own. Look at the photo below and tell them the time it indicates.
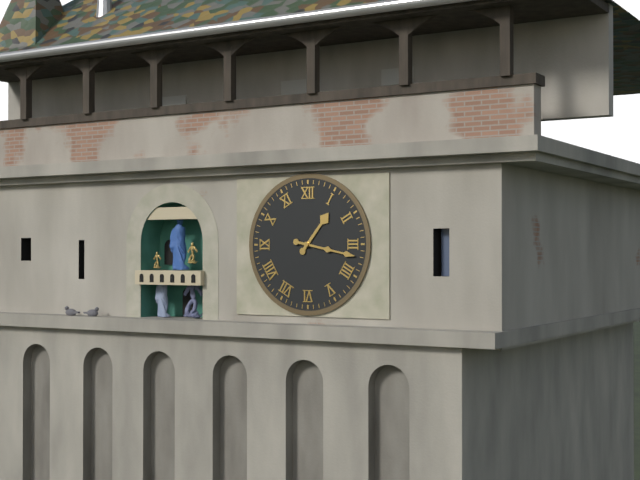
1:17
